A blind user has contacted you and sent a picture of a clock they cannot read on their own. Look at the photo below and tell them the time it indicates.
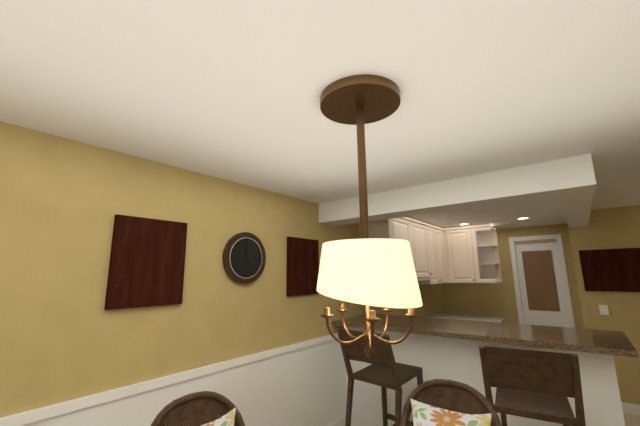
4:59
